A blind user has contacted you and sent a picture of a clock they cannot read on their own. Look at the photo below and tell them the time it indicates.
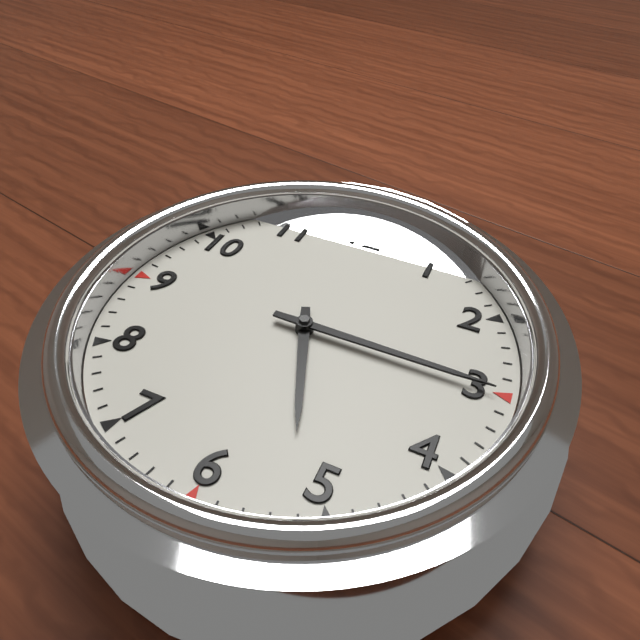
5:15
